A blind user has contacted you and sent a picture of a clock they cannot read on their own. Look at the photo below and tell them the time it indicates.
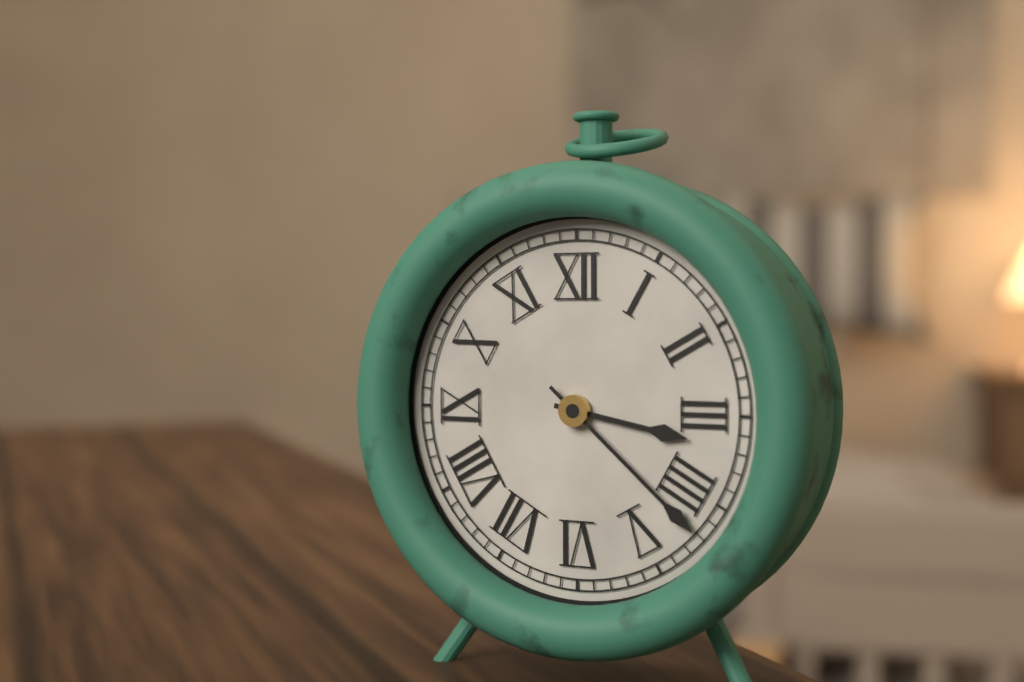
3:22
